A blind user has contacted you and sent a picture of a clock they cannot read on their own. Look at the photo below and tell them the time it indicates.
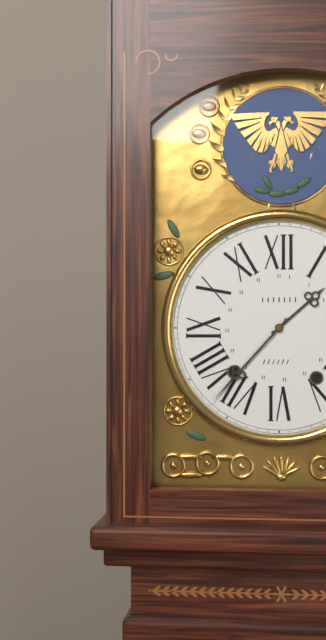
1:37
